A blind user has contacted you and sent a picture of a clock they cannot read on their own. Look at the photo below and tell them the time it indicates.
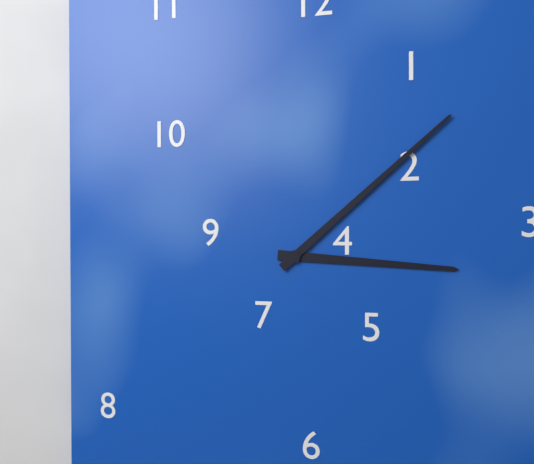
3:08
